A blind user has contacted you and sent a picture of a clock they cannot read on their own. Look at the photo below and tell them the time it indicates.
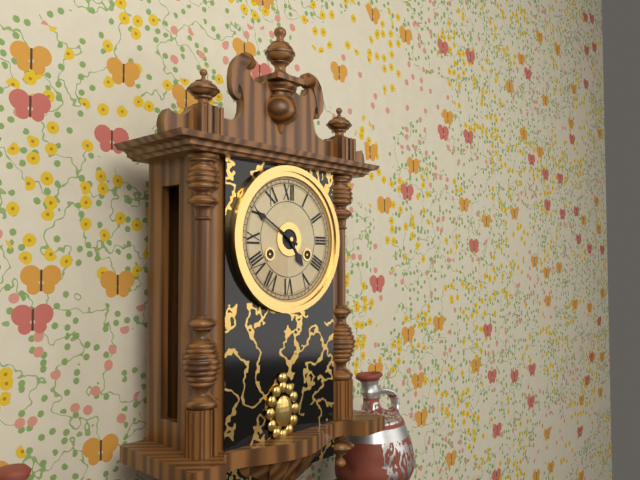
4:50
